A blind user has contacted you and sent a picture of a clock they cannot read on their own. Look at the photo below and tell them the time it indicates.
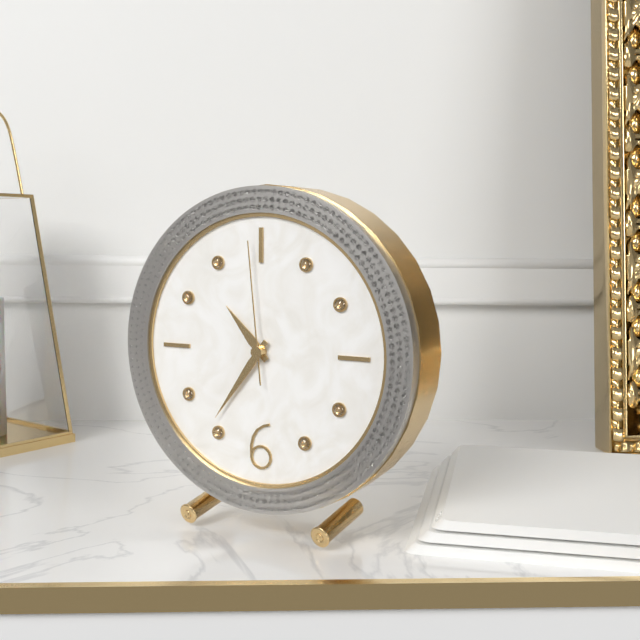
10:36:59
